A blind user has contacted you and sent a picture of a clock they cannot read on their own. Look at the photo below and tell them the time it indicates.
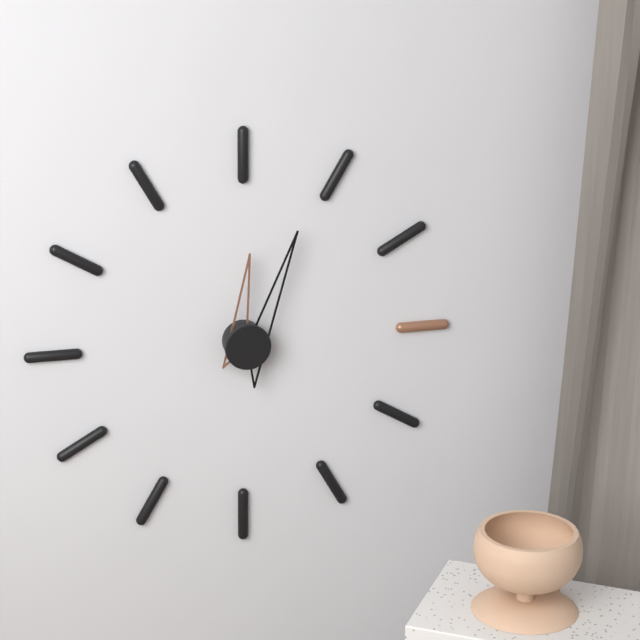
12:04
